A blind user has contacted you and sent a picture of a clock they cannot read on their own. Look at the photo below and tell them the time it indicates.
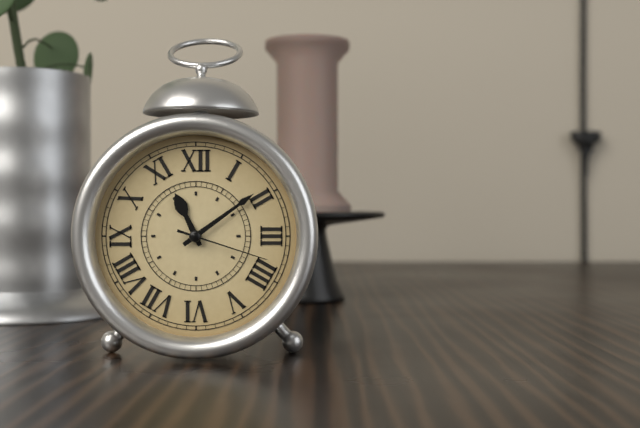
11:09:18
